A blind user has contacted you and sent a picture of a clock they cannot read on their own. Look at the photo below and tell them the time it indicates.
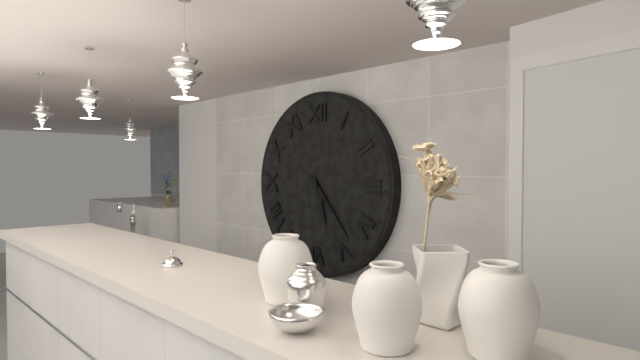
5:23
